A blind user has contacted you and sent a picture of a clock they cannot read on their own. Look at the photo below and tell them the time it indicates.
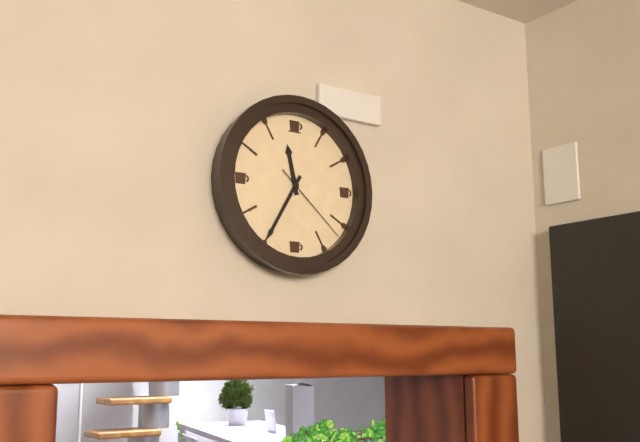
11:35:22
